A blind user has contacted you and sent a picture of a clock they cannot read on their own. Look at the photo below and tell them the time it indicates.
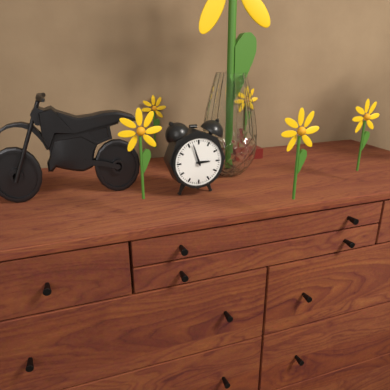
2:57
